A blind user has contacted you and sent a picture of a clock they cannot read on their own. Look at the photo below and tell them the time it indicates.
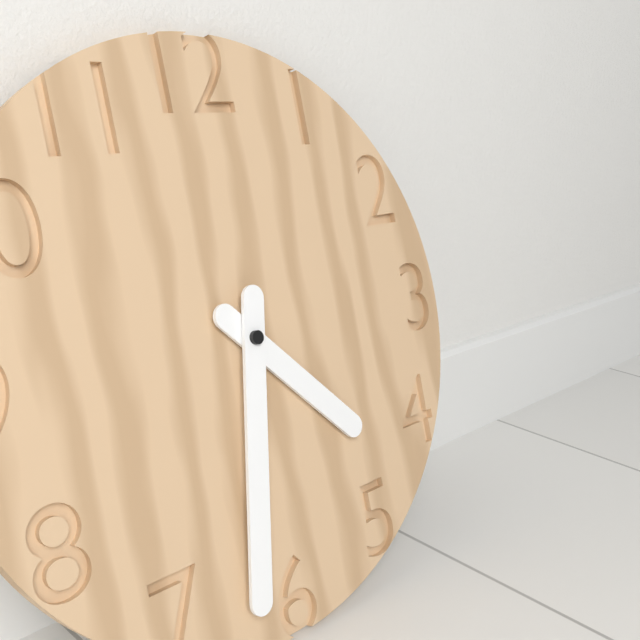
4:32
